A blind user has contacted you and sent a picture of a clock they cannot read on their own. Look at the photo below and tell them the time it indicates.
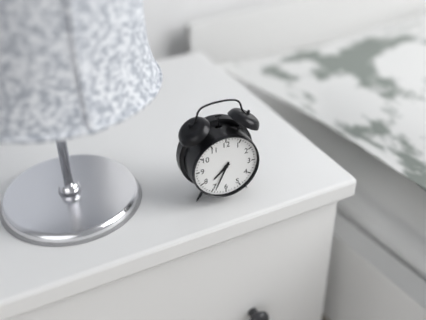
7:34
